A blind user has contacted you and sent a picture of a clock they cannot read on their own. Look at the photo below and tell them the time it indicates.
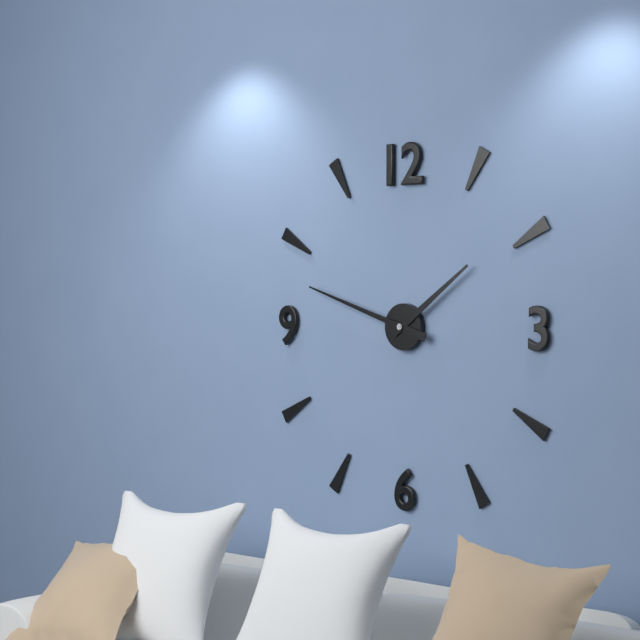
1:48
